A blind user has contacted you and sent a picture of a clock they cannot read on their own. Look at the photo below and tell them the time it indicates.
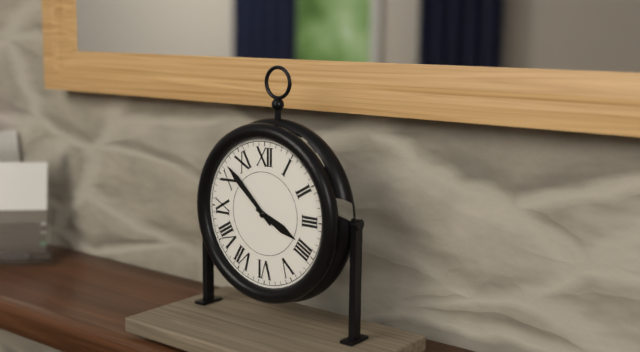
3:52
